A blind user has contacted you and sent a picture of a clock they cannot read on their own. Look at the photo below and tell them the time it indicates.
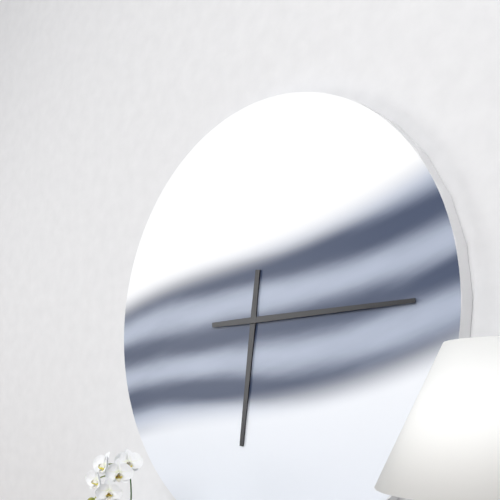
6:15
